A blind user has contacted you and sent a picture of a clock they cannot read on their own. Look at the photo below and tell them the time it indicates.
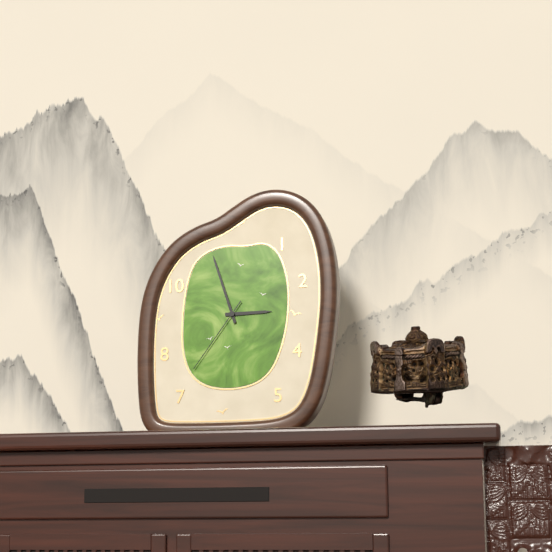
2:57:36
